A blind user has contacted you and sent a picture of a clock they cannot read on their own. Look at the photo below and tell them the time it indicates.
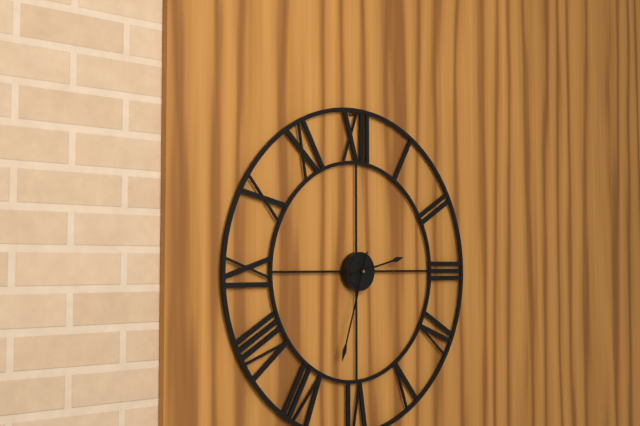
2:33
